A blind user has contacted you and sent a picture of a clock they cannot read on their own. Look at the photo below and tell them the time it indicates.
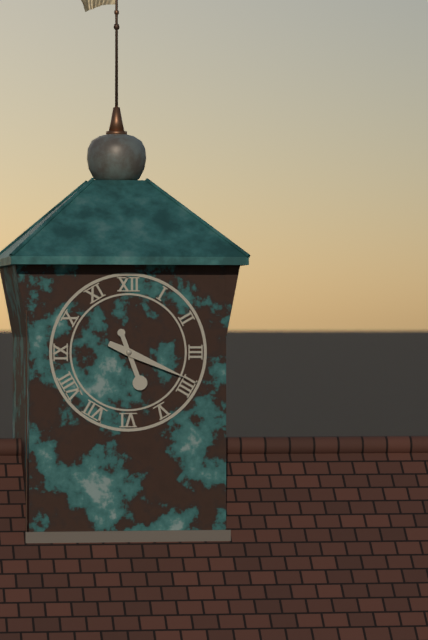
5:19
